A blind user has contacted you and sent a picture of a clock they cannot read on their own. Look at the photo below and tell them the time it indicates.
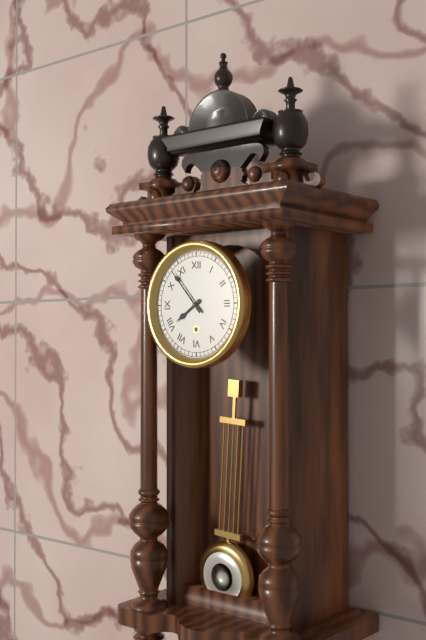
7:53
